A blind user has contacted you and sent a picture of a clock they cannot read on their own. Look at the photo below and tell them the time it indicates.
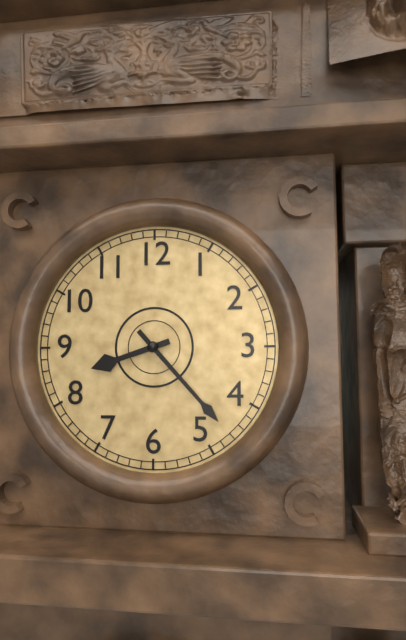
8:23
